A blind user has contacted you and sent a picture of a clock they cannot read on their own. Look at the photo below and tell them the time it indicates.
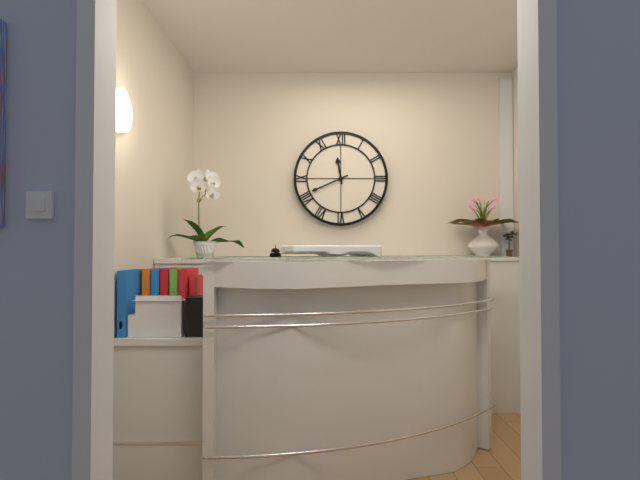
11:41
